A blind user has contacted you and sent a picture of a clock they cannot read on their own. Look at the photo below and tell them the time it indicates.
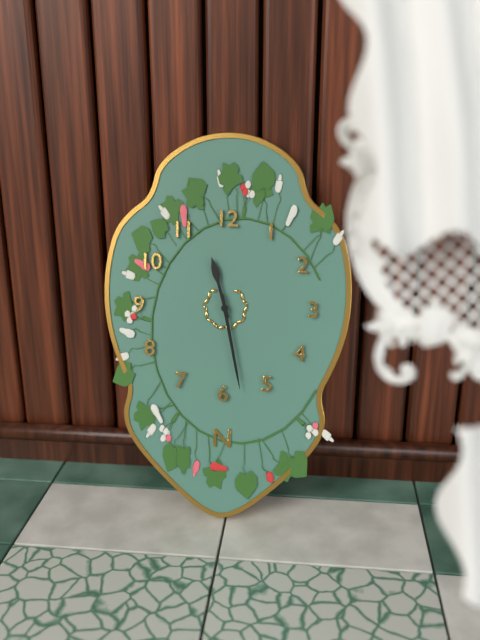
11:28
